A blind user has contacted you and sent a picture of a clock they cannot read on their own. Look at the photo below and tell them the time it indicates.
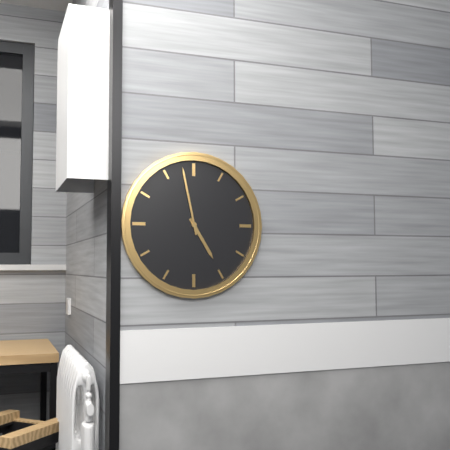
4:58
